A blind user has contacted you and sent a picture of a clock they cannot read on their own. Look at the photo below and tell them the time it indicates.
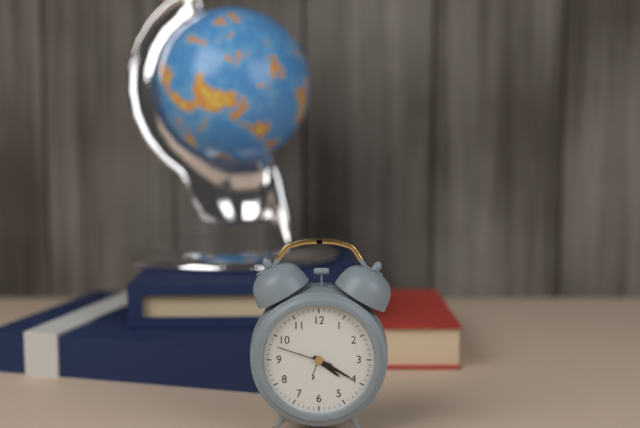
4:20:48
